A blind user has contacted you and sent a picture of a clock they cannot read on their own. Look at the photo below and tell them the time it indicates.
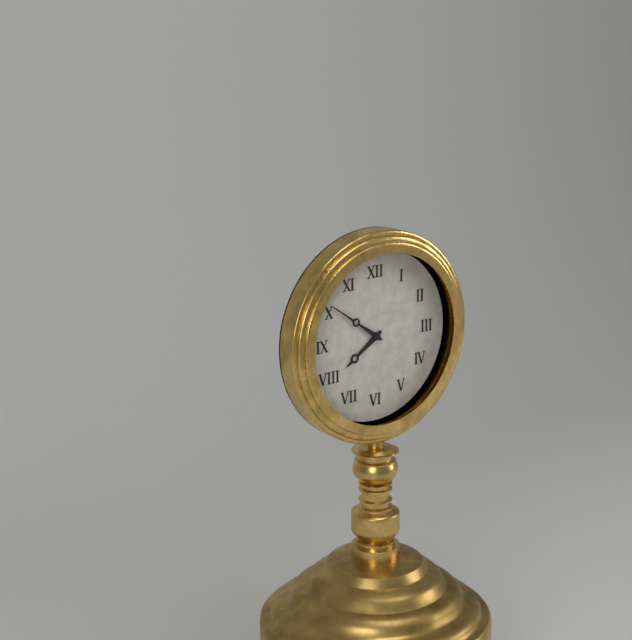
7:51
